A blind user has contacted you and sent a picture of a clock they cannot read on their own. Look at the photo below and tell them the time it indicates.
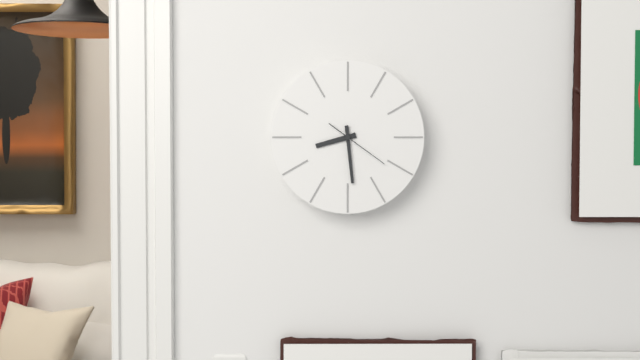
8:29:21
